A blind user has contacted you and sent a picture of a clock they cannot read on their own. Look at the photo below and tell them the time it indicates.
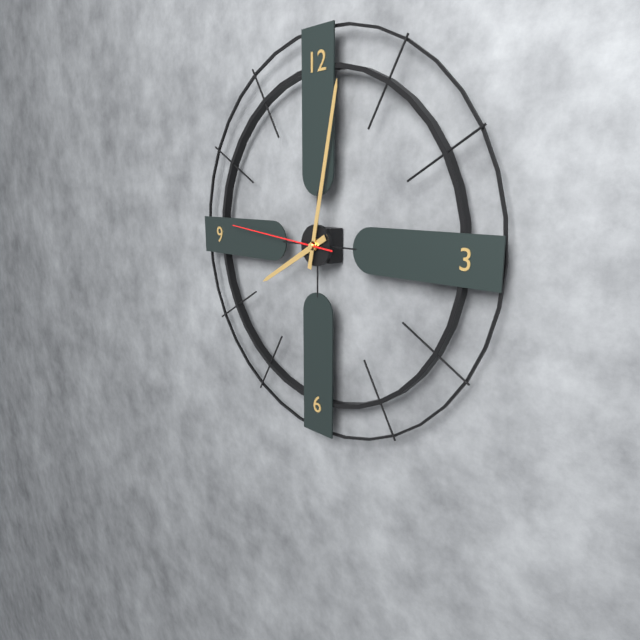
8:02:46
